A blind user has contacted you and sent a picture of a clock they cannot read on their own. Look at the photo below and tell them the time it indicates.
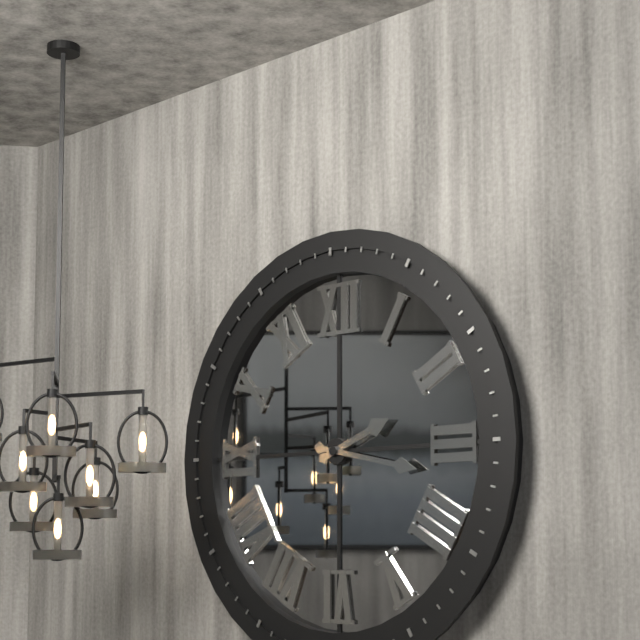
2:17
